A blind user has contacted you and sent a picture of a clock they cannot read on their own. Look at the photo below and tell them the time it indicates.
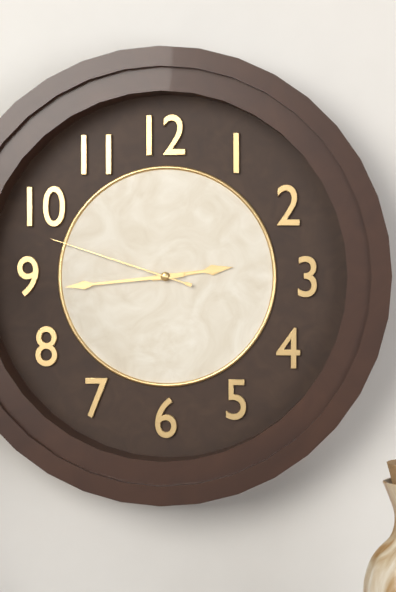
2:44:48
